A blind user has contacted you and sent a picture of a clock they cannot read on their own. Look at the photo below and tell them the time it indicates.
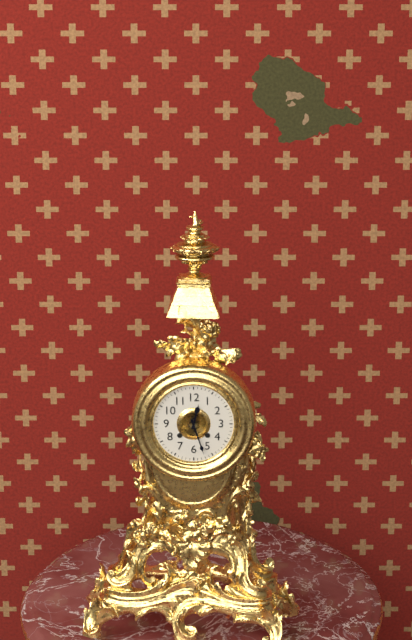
12:27
